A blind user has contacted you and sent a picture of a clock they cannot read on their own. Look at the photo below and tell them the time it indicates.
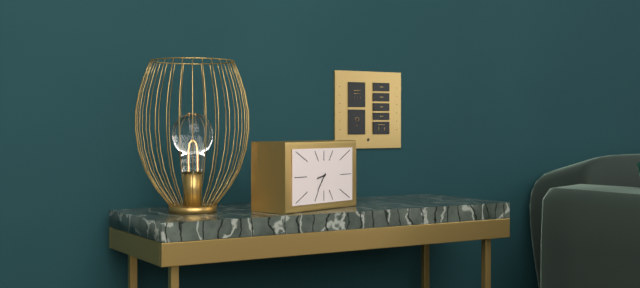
8:36
